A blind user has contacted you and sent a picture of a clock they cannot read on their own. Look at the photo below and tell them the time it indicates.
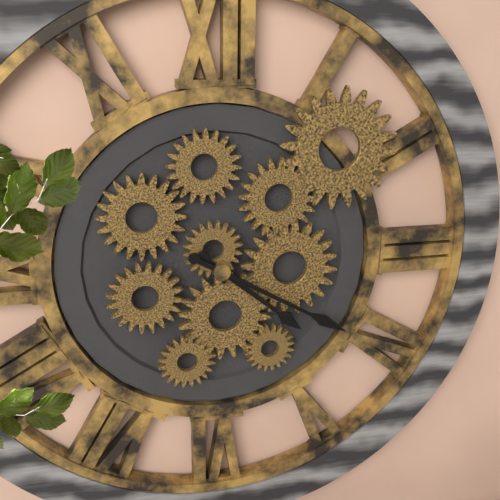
4:20
